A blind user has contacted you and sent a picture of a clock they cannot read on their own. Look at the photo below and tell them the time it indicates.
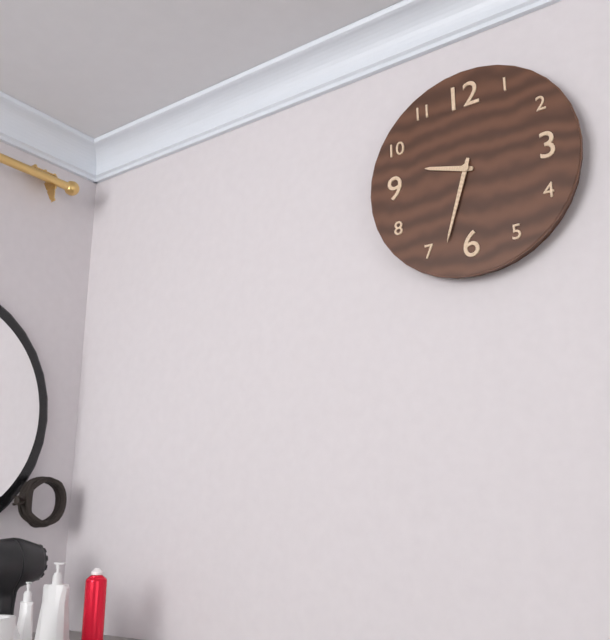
9:33
